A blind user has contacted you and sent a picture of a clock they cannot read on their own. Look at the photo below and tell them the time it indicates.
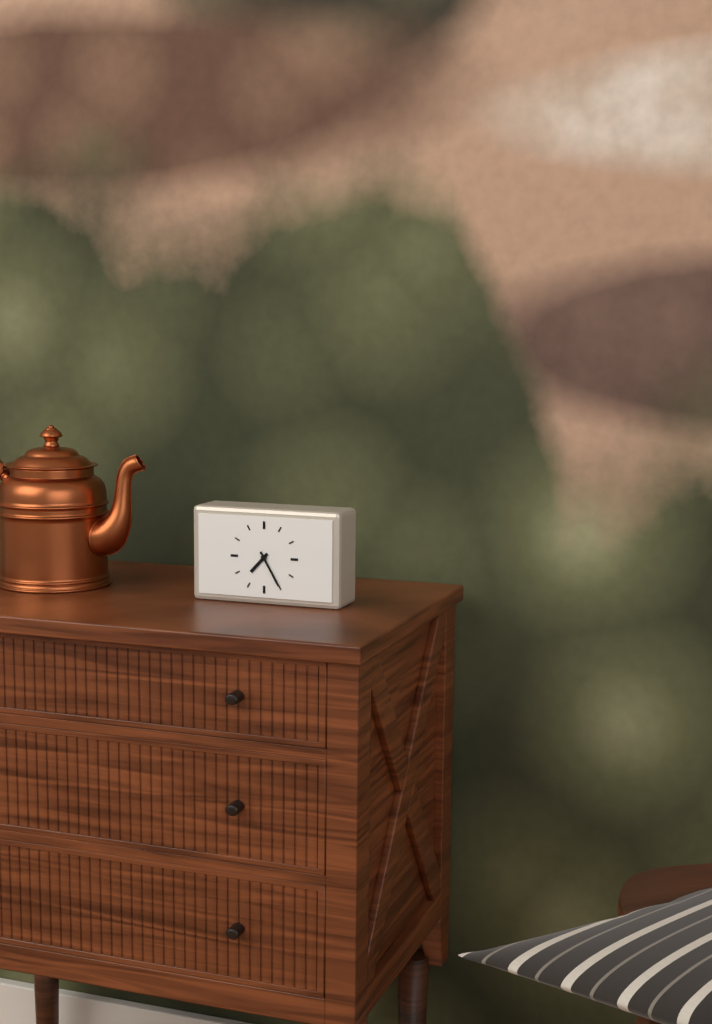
7:25
